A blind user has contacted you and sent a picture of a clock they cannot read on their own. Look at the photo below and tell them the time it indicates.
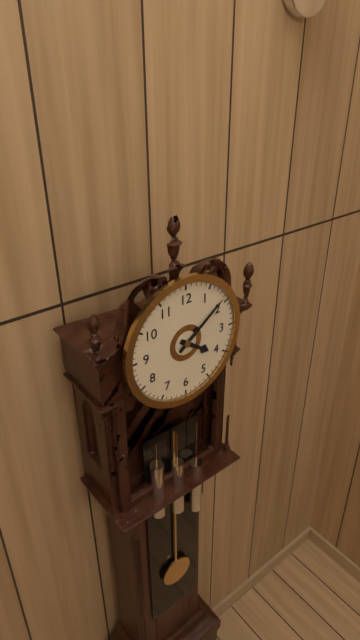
4:09
